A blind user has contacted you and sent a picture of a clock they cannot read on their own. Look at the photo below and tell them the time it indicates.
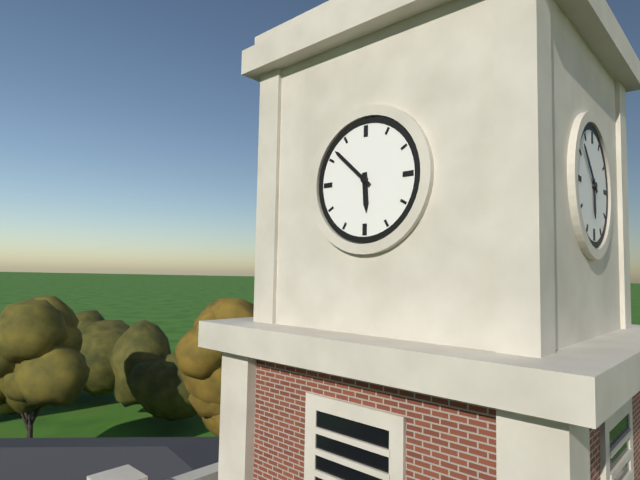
5:52
